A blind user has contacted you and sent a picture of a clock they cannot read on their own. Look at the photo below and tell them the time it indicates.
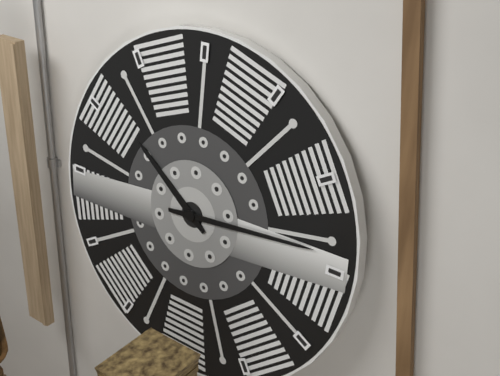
10:14
